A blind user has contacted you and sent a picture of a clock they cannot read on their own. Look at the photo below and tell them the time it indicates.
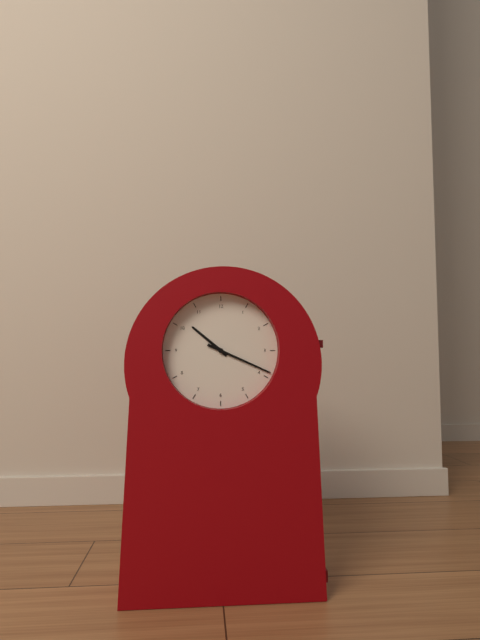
10:19
